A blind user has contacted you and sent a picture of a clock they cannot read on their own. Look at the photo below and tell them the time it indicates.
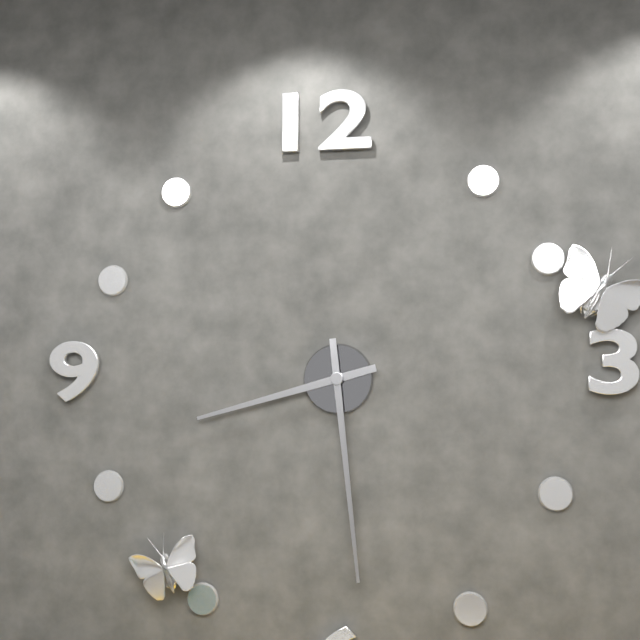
8:29
